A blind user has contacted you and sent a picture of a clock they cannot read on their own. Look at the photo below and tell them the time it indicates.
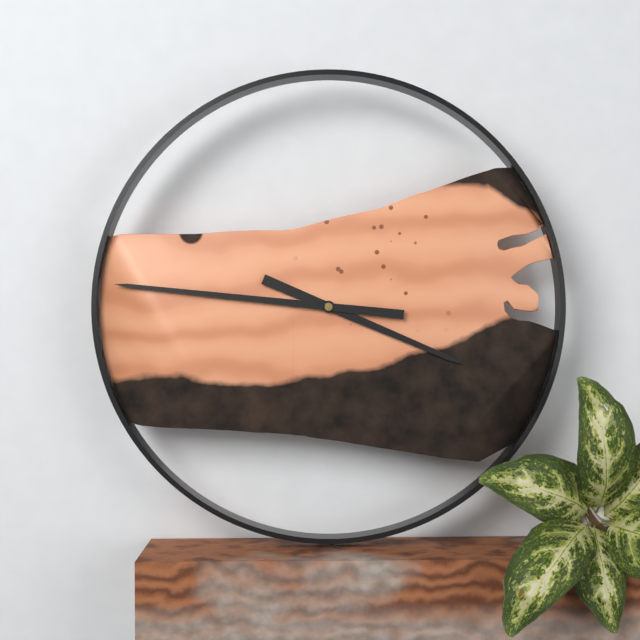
3:46
